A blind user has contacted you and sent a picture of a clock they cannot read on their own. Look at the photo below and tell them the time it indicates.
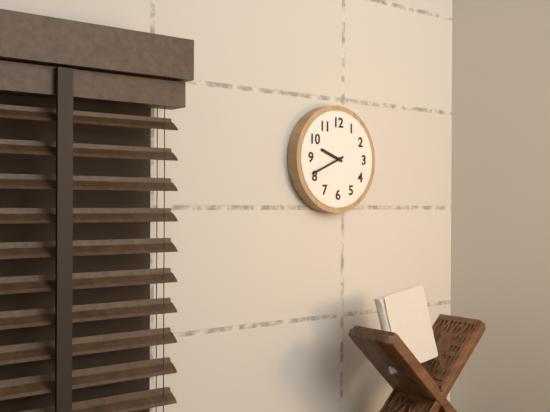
9:41
